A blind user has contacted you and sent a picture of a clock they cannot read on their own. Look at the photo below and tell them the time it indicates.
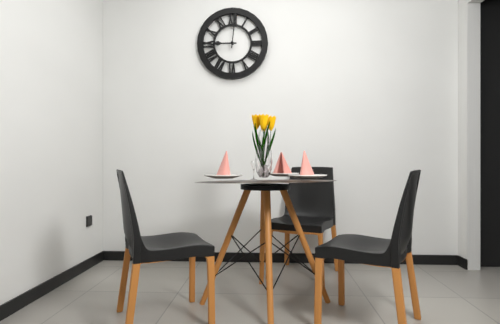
9:01
